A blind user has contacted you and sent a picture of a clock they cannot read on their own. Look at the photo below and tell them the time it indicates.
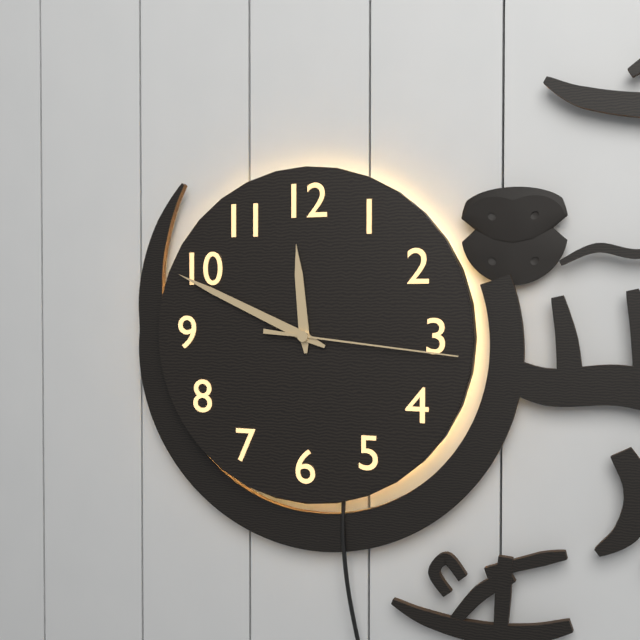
11:49:16
